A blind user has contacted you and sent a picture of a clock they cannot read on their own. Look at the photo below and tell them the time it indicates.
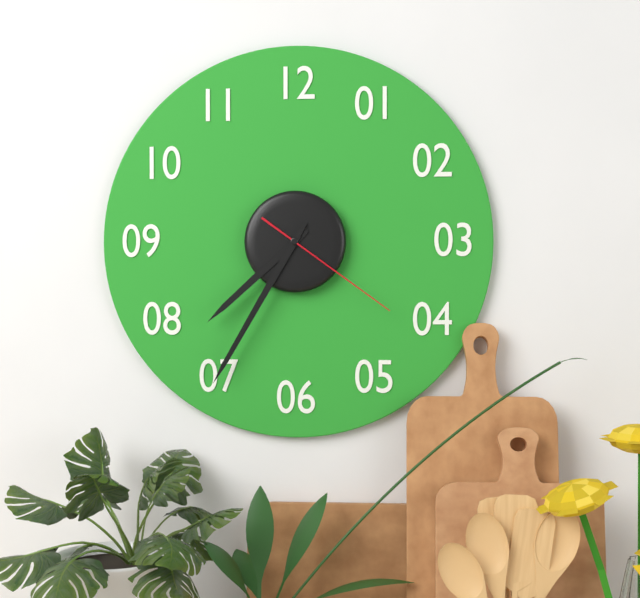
7:35:21
